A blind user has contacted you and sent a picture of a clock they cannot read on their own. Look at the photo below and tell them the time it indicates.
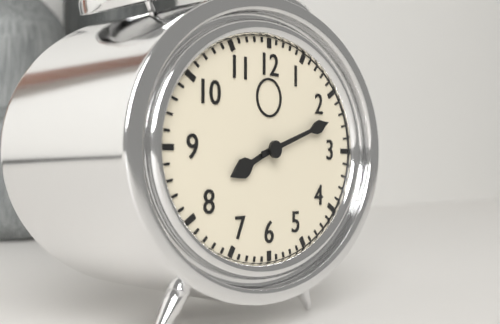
8:12
